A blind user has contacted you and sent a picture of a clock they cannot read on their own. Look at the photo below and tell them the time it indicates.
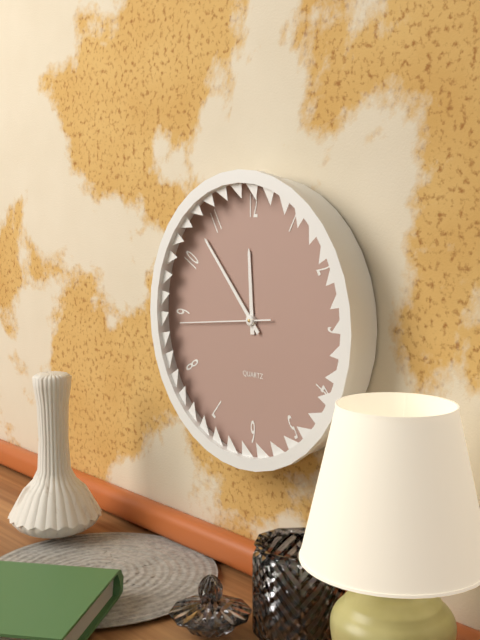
11:53:44
